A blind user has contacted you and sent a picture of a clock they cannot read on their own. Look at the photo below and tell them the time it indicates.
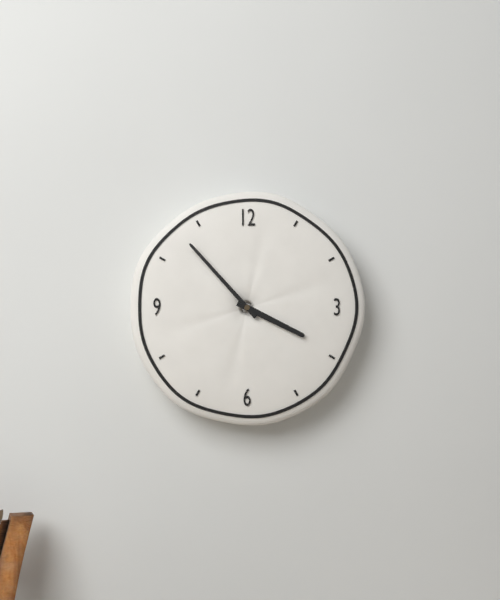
3:53
